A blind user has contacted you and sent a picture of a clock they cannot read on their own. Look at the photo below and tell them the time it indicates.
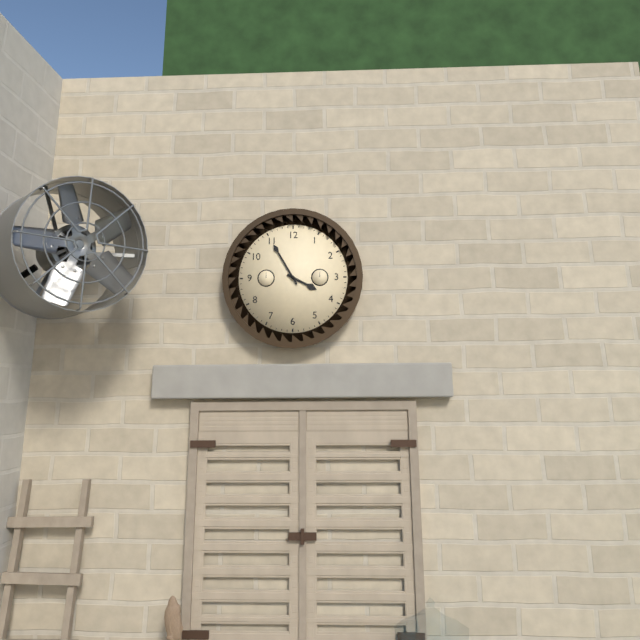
3:55
